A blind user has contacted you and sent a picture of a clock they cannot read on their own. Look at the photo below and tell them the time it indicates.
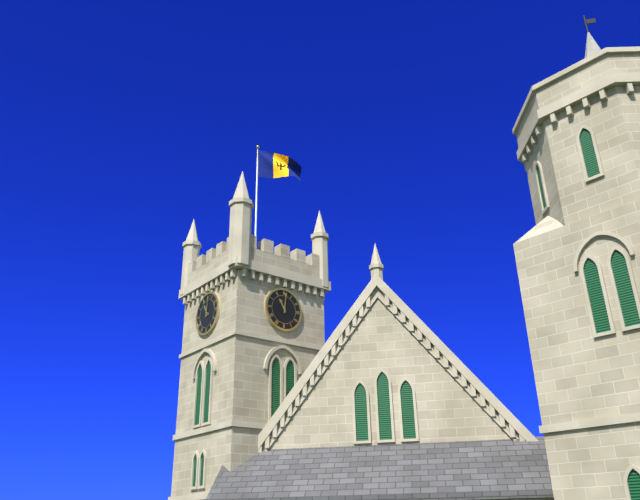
11:01
